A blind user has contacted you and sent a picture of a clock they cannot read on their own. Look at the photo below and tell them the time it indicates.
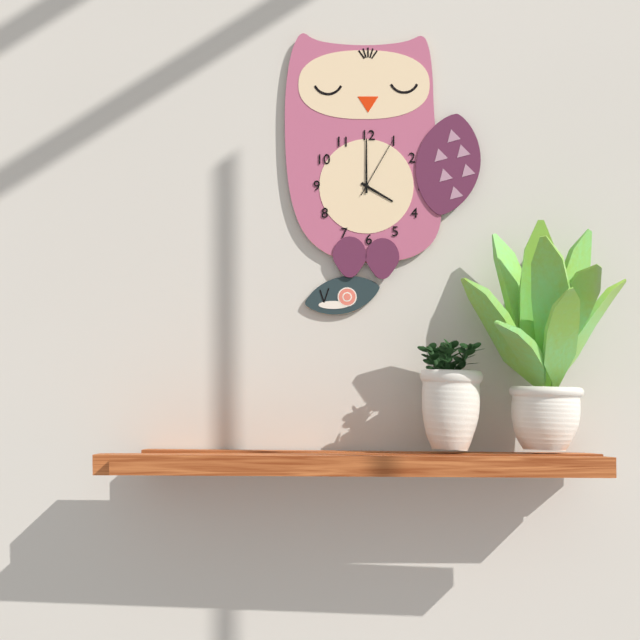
4:00:05
